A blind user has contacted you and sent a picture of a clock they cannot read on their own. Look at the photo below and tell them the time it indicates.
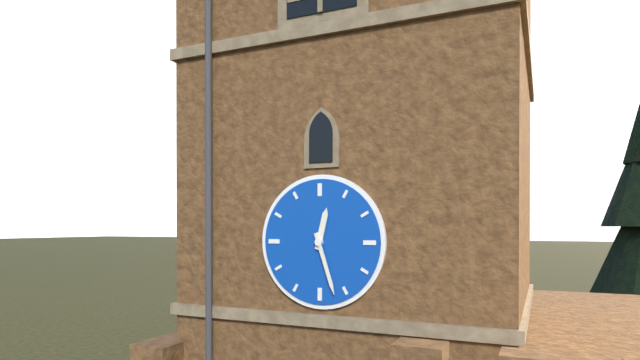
12:27
